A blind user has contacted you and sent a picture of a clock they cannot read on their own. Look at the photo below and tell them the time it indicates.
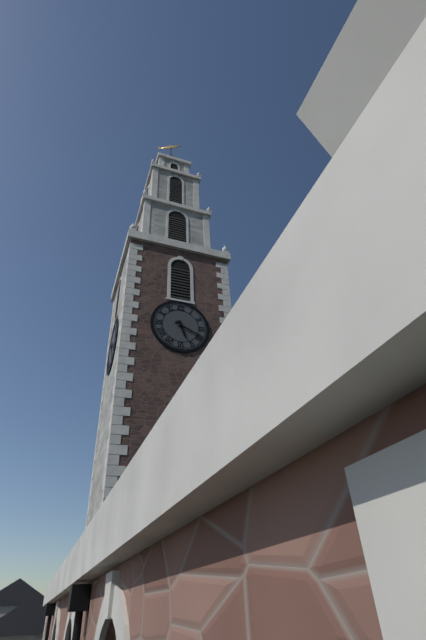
5:19
